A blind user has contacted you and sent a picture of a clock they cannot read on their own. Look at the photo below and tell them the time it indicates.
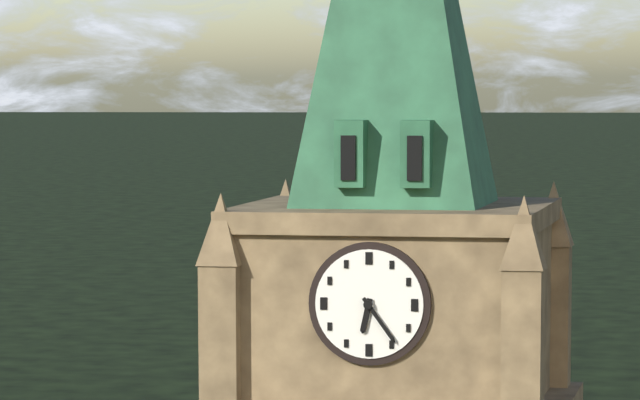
6:24
